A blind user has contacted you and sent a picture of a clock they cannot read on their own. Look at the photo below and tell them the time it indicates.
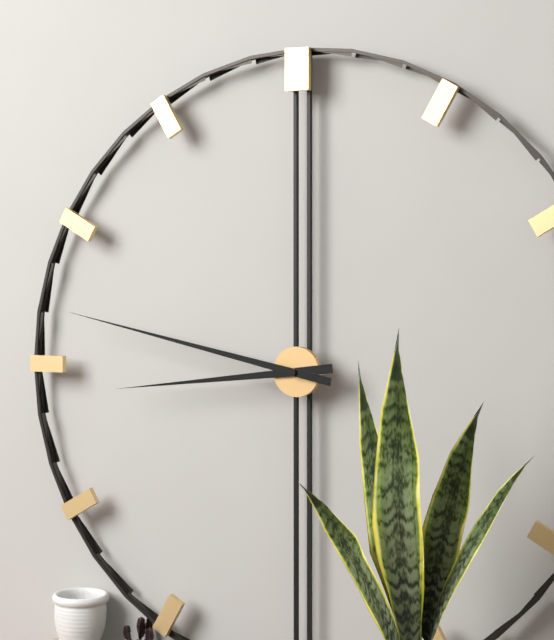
8:47
